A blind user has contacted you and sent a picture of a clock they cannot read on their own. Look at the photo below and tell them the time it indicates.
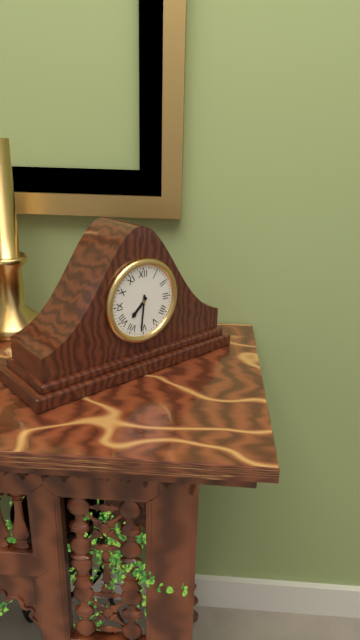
7:31
